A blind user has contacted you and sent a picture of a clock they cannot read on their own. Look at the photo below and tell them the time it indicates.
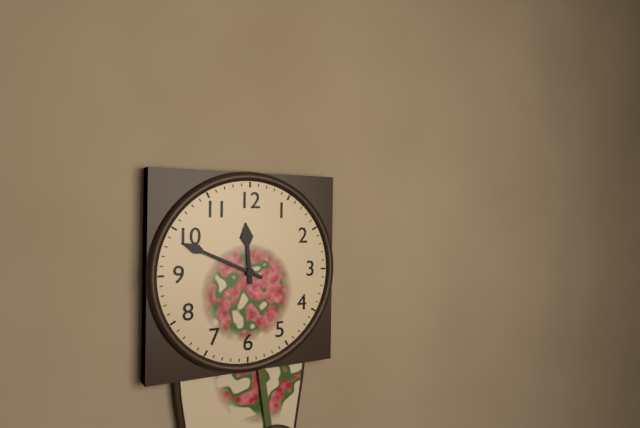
11:49
